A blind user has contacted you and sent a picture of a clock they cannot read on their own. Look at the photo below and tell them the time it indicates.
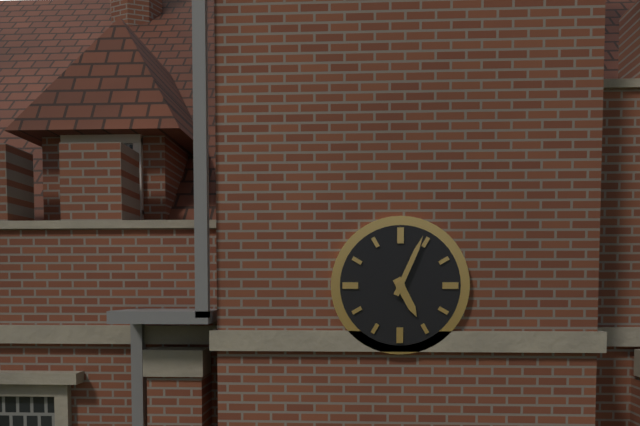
5:04
